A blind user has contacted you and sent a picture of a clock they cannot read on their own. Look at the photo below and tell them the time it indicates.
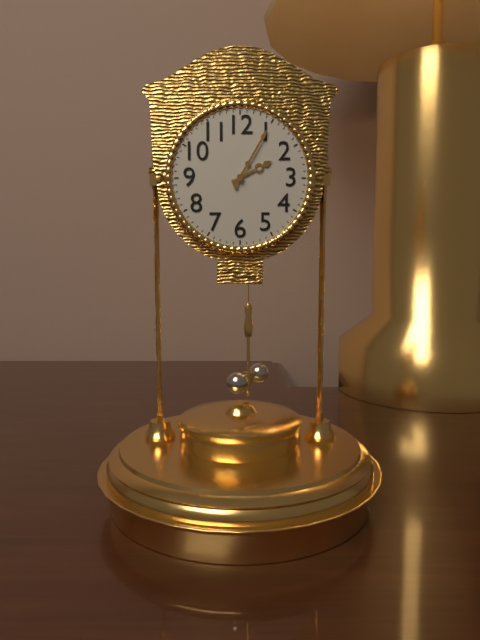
2:05
